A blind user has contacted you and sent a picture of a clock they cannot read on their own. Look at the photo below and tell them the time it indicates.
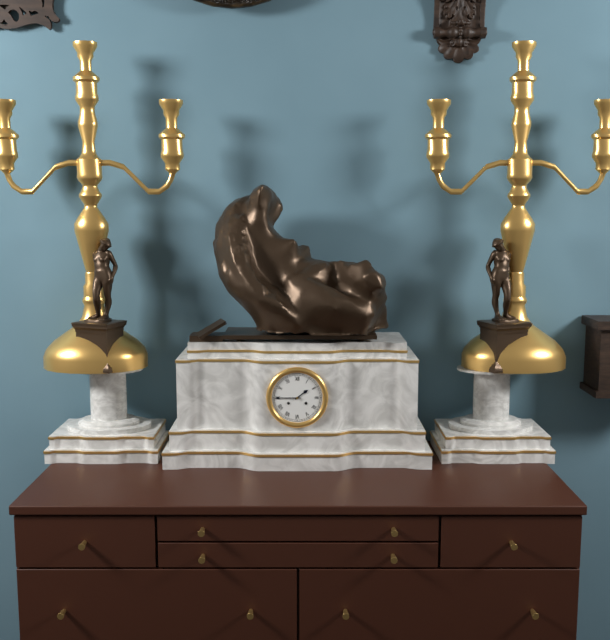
1:45
